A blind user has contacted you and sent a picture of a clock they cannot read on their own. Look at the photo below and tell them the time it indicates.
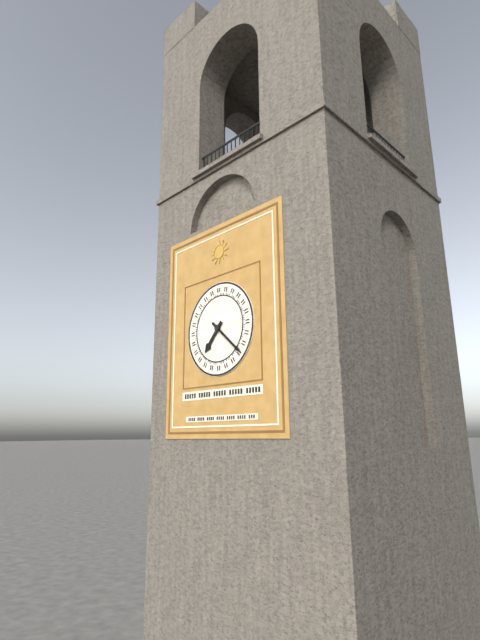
7:22
